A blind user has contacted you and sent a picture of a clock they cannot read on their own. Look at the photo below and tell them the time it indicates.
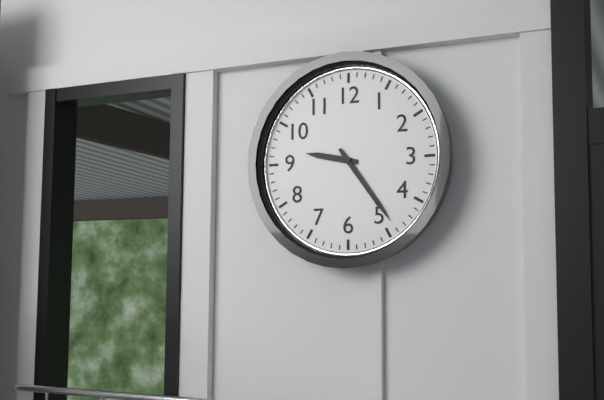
9:24
